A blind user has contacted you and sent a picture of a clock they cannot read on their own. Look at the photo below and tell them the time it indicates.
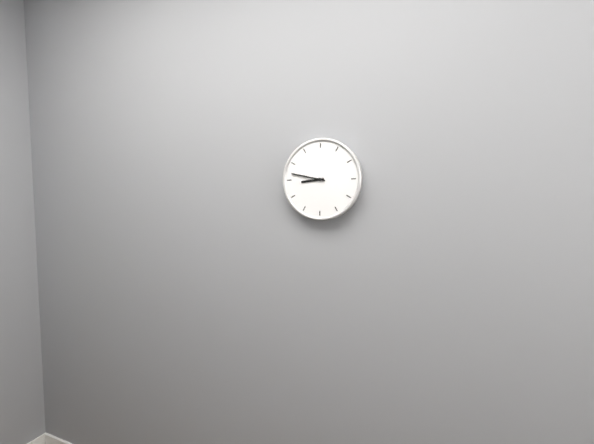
8:47
